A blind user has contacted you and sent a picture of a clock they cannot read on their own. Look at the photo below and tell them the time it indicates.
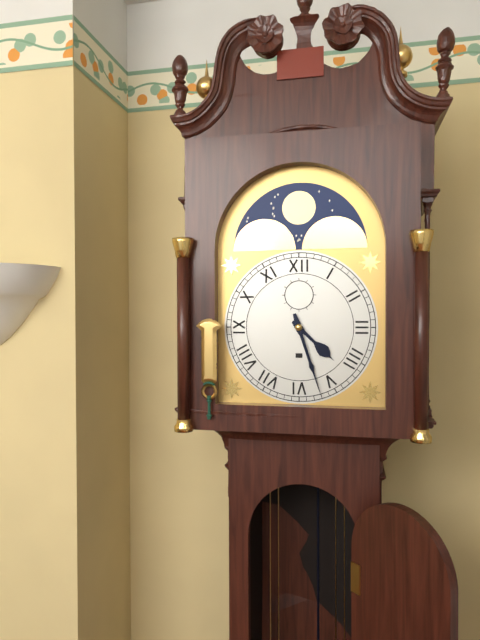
4:27
